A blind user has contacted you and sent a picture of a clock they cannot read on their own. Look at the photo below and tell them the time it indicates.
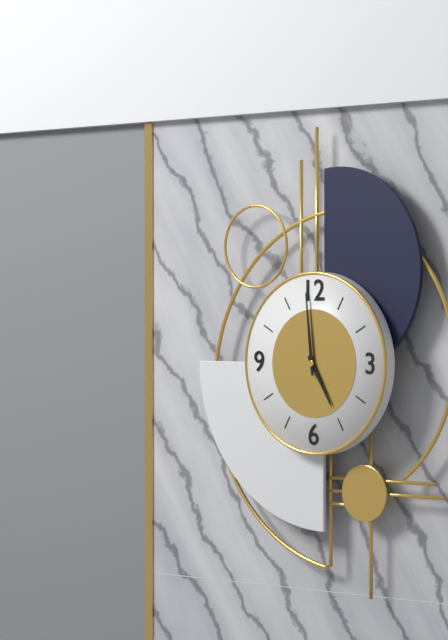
4:59
